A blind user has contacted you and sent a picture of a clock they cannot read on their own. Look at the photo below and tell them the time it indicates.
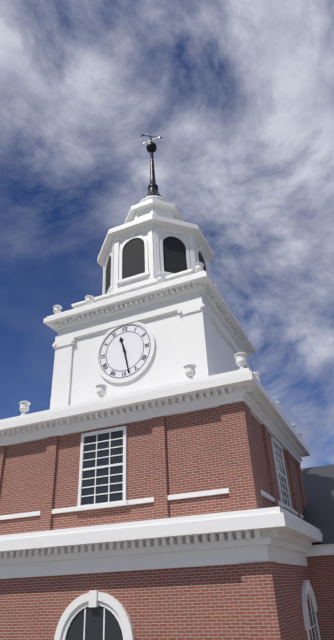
11:28
